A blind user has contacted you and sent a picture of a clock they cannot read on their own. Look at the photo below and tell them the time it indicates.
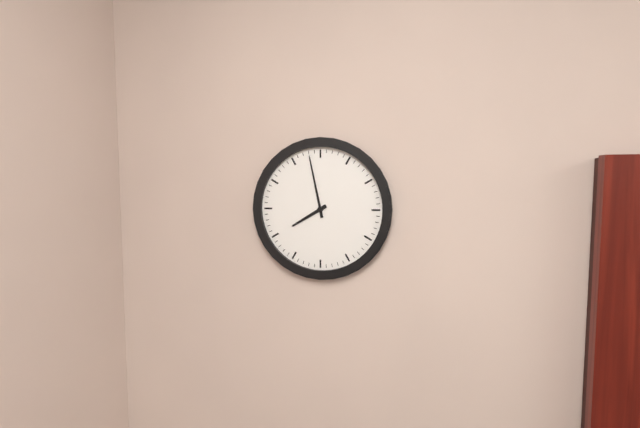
7:58
